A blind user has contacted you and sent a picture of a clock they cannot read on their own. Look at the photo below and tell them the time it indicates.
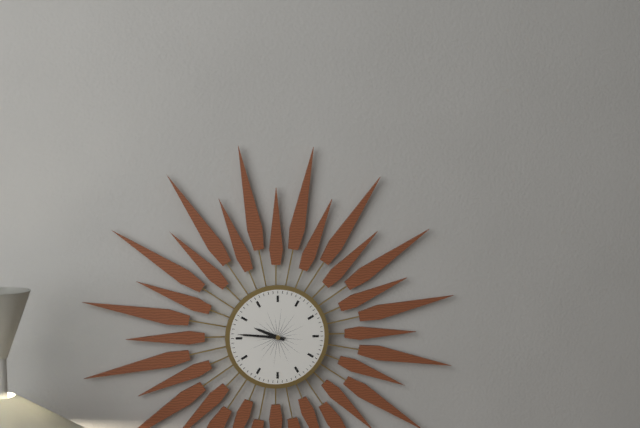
9:46
